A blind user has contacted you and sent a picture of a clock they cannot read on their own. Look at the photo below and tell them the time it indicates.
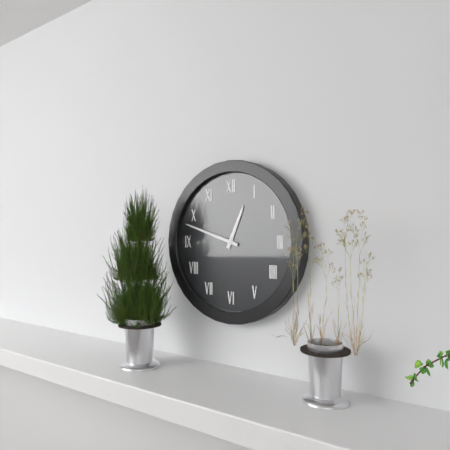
12:48
